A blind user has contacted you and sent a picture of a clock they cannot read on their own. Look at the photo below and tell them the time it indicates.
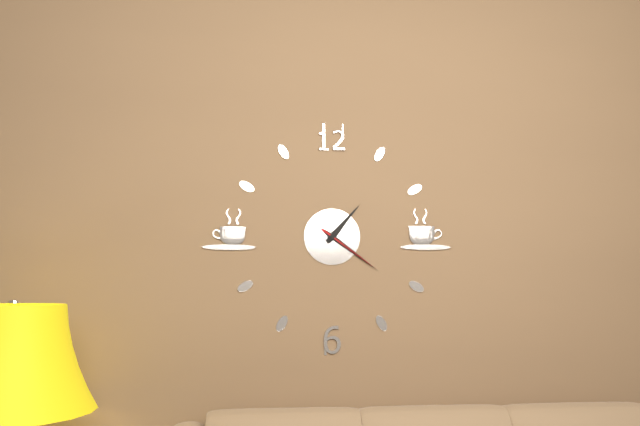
1:21:21
